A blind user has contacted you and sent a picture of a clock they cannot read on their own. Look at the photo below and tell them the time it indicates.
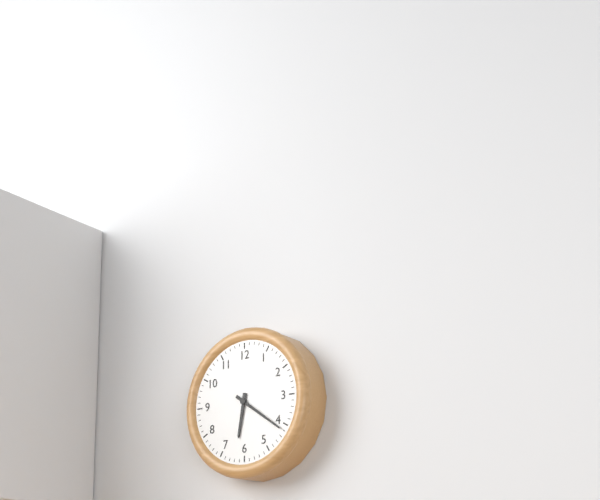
6:21
